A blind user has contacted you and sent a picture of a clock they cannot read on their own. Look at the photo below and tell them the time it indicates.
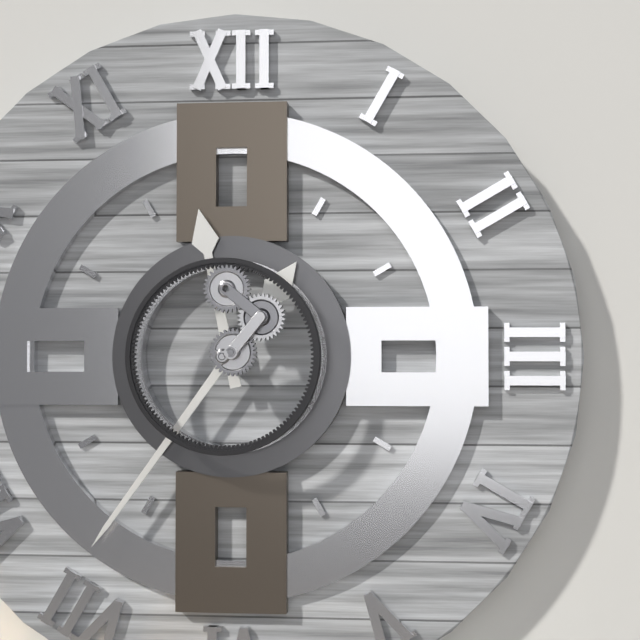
11:36
